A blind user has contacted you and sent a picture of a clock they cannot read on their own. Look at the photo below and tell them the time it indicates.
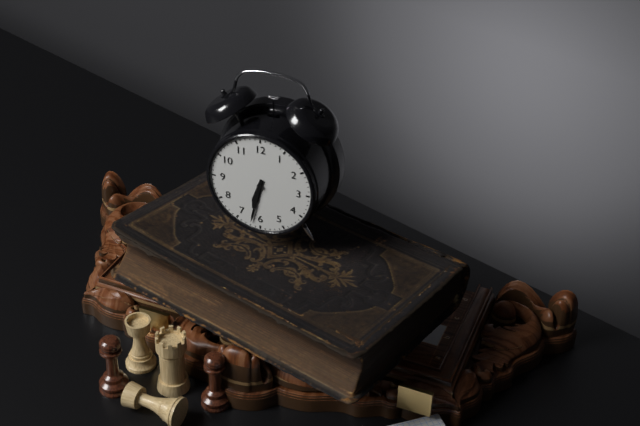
6:32
